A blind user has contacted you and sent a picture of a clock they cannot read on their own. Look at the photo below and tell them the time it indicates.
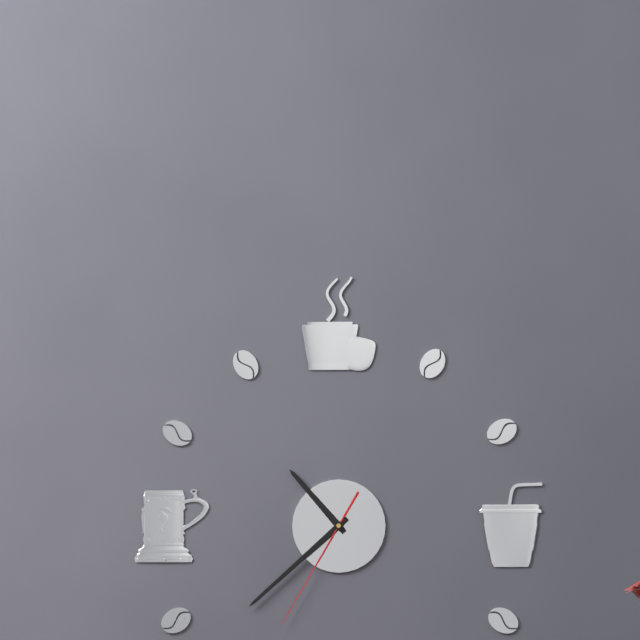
10:38:35
